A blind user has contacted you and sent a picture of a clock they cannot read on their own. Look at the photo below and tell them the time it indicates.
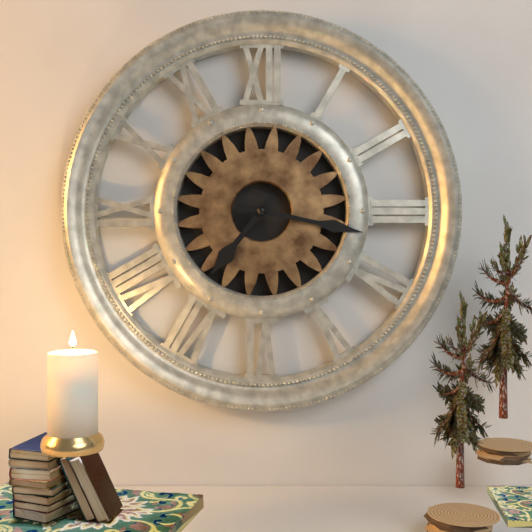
7:17
